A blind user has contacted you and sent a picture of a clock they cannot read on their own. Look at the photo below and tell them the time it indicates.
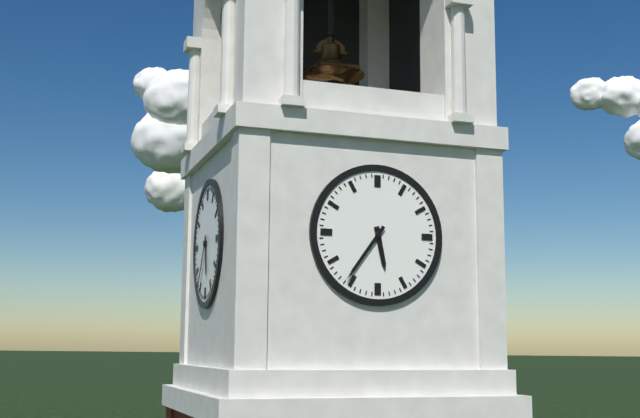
5:36
